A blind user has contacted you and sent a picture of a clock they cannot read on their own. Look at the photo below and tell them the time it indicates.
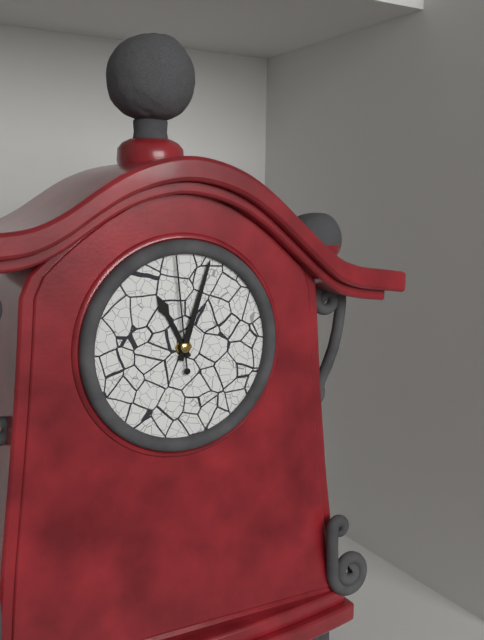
11:03:59
